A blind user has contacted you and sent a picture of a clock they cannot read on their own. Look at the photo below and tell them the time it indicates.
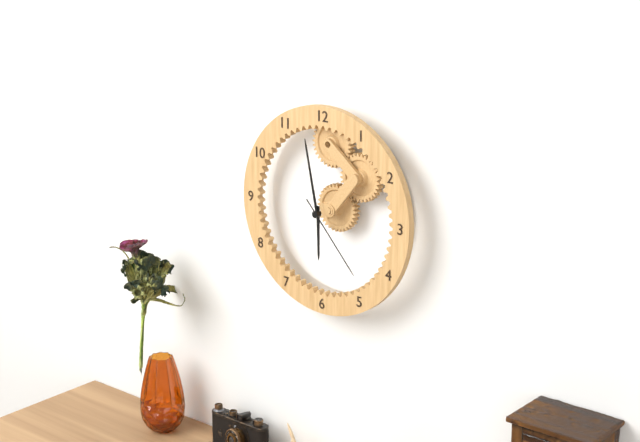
5:58:23
